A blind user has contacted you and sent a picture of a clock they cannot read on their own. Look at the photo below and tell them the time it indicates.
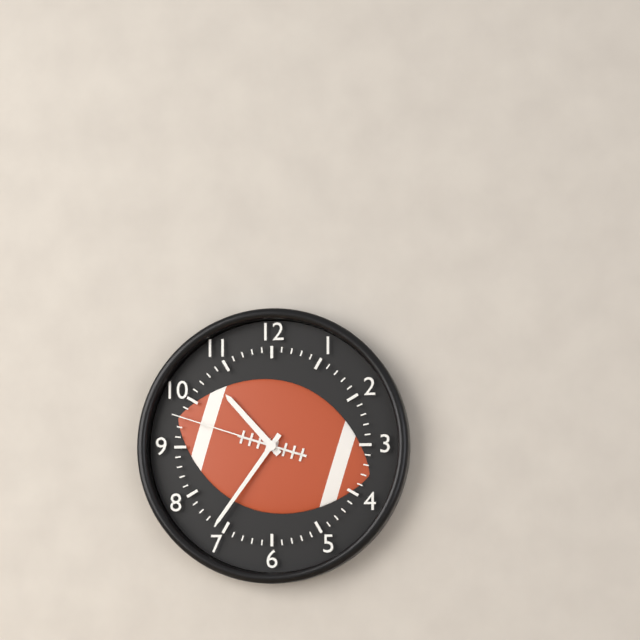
10:36:48
